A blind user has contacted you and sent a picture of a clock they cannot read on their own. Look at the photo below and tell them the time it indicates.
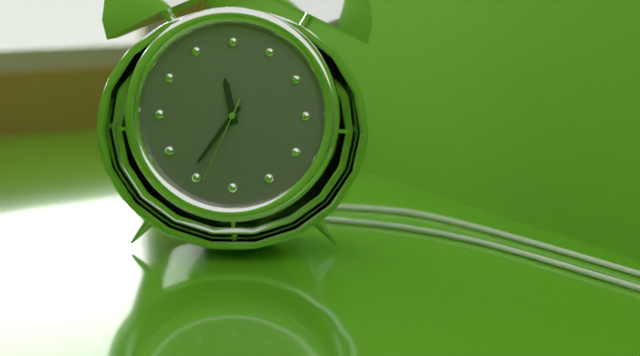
11:36:34
